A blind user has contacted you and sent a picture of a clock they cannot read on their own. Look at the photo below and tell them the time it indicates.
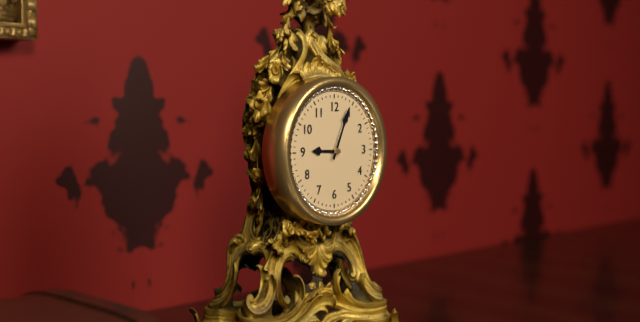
9:04
